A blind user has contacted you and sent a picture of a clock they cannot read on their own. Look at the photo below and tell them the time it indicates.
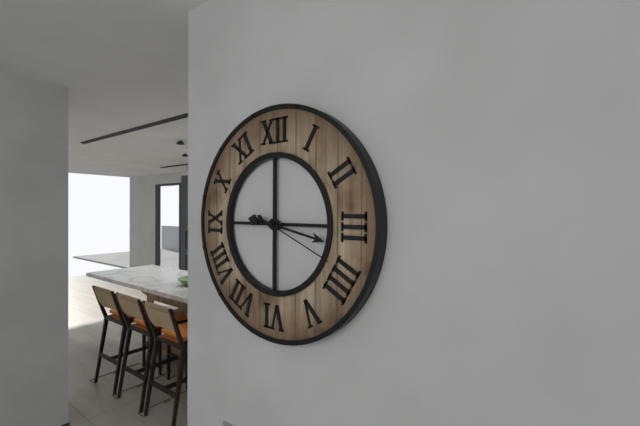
9:17:19
